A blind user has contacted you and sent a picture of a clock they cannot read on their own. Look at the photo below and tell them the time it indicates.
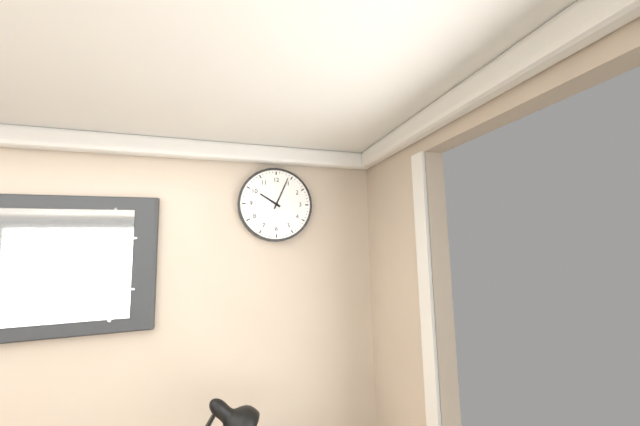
10:04
